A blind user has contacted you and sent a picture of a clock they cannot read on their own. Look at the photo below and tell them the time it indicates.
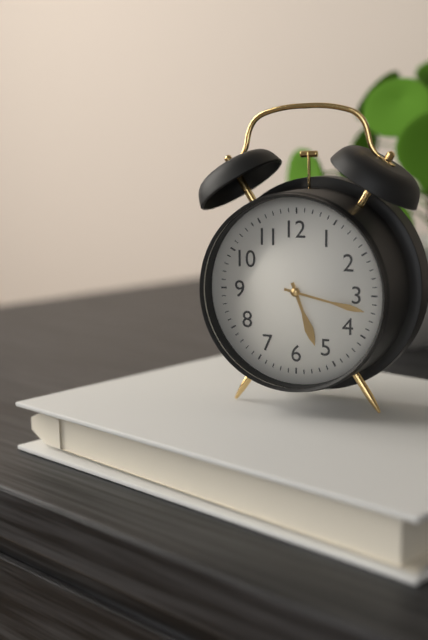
5:17
